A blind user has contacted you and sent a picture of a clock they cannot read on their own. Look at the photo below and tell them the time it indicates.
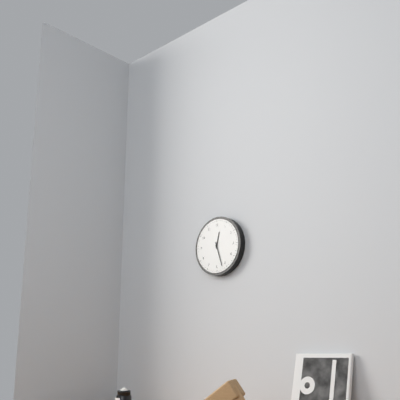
12:27
